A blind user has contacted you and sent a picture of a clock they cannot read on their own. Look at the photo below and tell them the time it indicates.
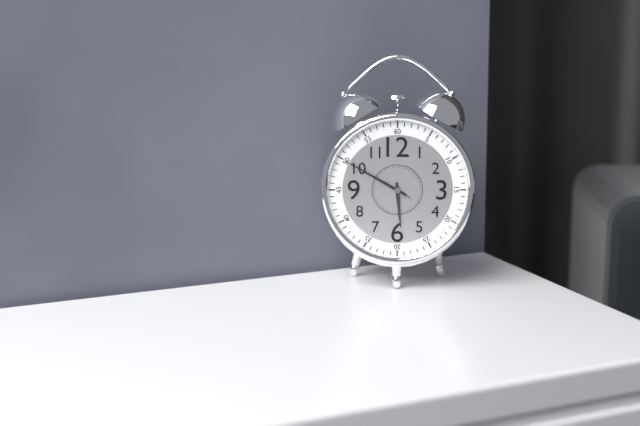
5:50:50
